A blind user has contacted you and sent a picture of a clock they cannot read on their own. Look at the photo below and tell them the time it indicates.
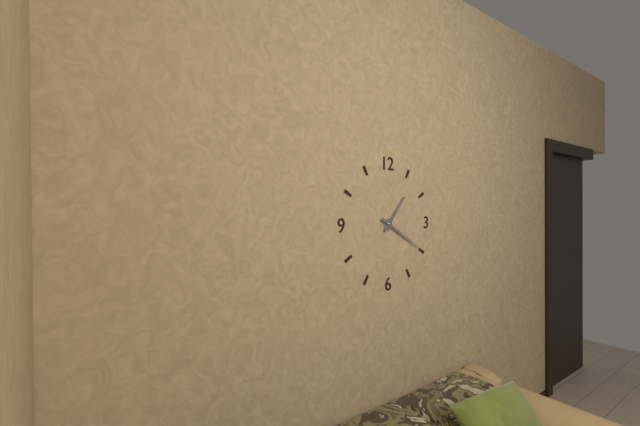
1:20
